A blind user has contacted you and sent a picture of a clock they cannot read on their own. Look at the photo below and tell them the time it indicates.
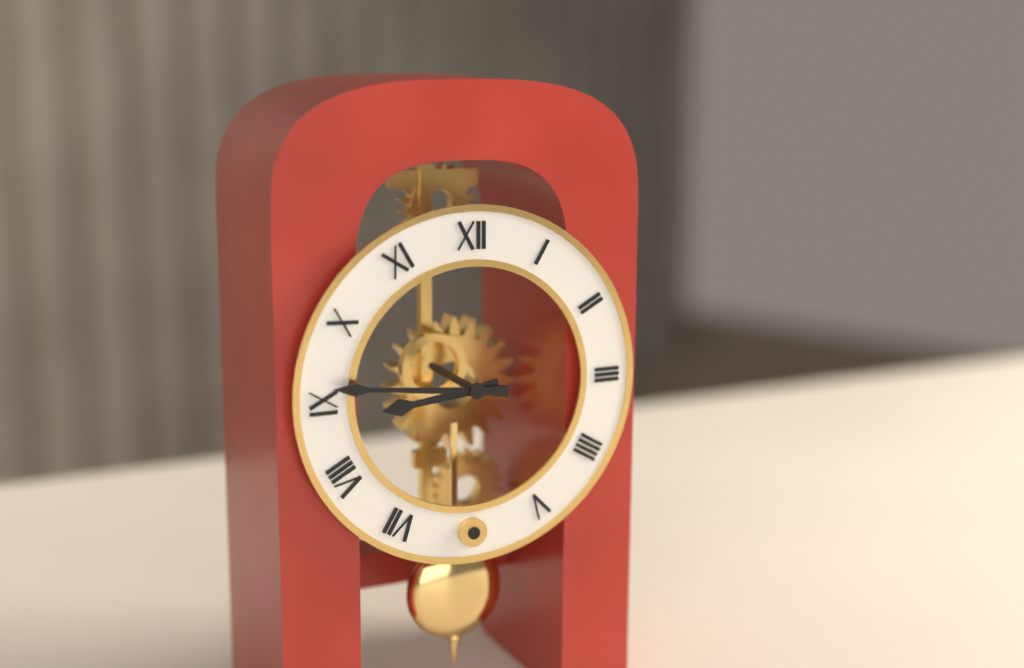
8:46
